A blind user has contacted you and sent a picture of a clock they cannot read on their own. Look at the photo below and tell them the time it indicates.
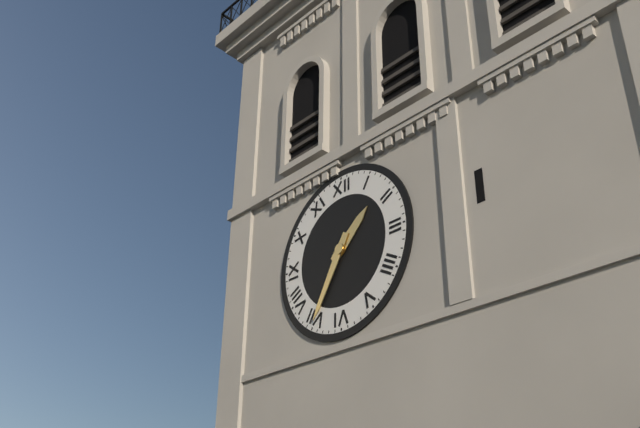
1:35
